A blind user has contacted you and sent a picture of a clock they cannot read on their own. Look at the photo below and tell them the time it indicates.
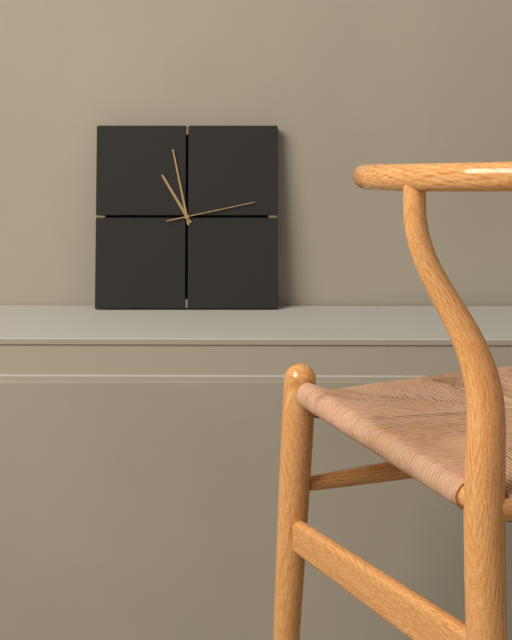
10:58:13
